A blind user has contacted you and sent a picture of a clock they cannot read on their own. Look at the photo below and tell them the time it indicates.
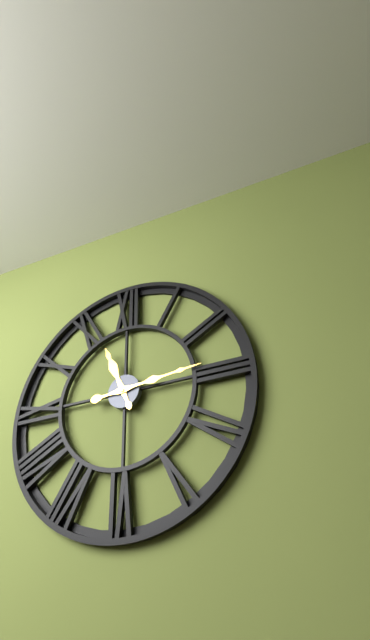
11:14
